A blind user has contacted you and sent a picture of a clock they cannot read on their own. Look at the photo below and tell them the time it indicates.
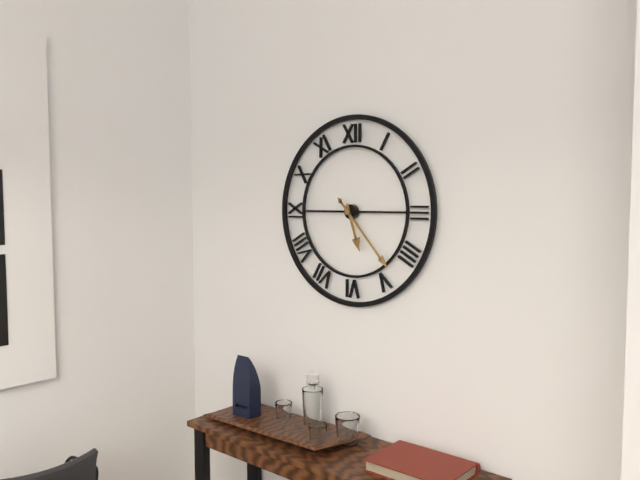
5:23
